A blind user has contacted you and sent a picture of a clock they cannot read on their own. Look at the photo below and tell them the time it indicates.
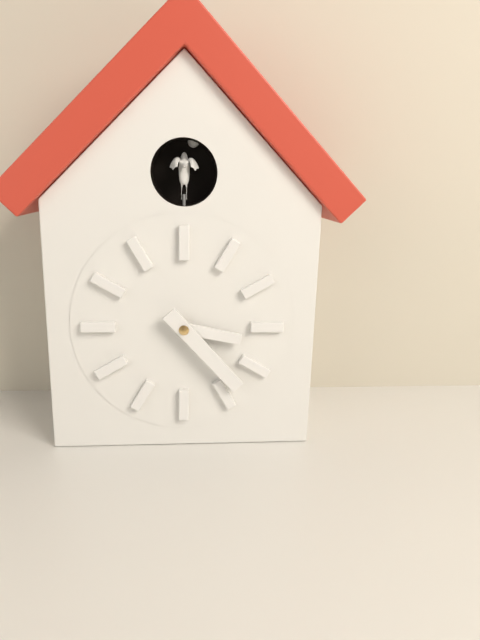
3:23
